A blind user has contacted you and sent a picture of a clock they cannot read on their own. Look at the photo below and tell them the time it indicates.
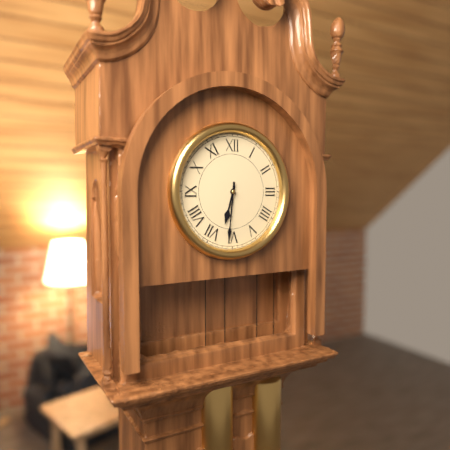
6:31
